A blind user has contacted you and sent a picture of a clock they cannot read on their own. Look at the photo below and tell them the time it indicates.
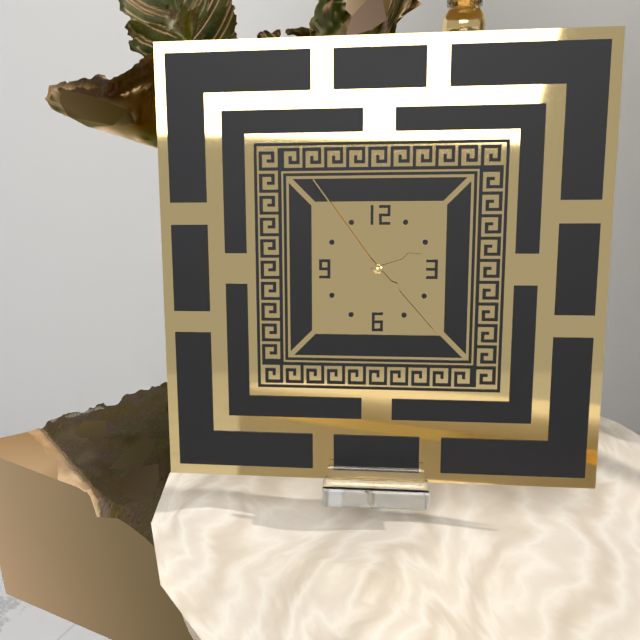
2:23:54
